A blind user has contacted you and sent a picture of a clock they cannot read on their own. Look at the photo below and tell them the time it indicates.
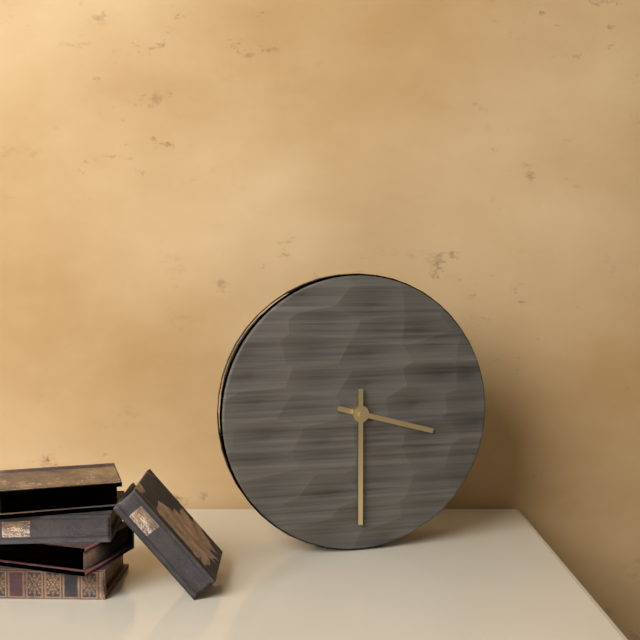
3:30
